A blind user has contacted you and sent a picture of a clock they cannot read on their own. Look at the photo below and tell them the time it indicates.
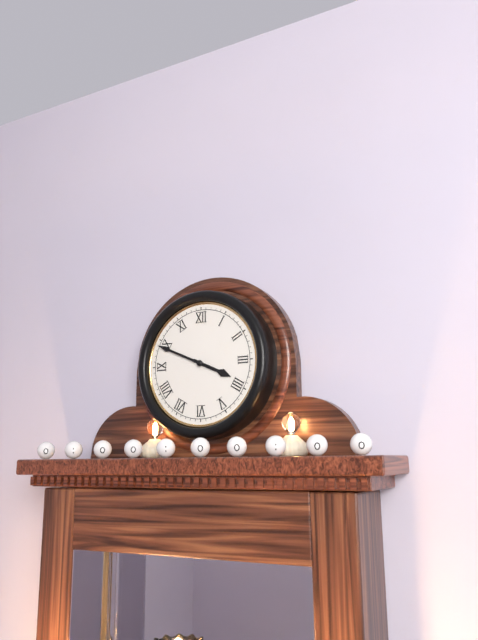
3:49
